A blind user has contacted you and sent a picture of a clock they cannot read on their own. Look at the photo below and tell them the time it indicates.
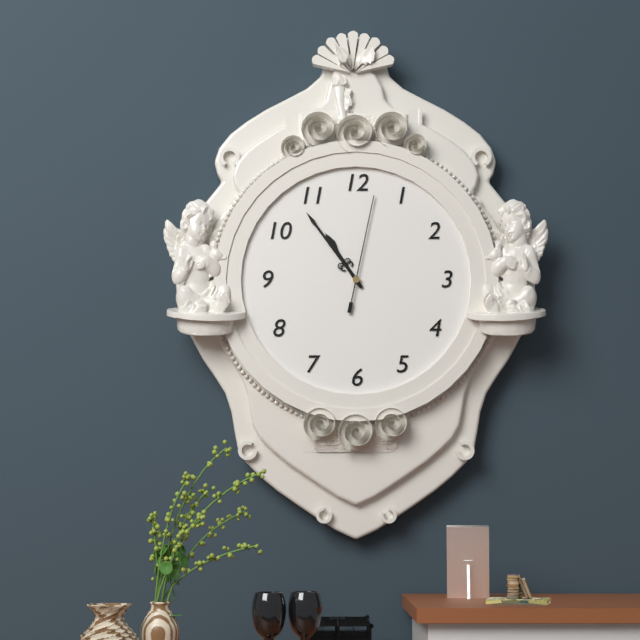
10:54:02
